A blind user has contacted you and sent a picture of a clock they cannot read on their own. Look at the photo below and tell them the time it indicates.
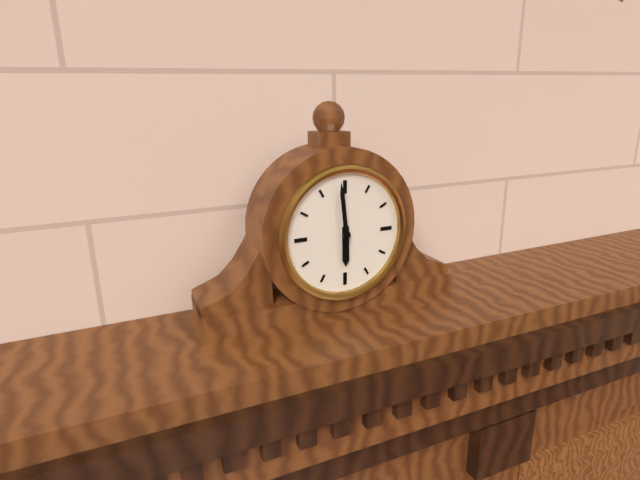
5:59
